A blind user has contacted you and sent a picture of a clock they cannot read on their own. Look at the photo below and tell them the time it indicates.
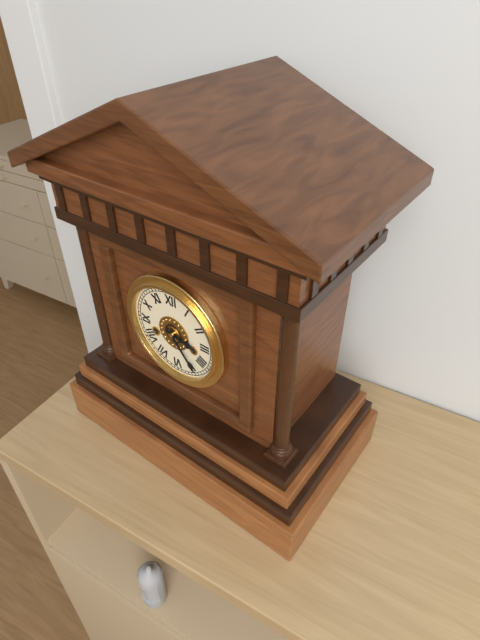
3:24
